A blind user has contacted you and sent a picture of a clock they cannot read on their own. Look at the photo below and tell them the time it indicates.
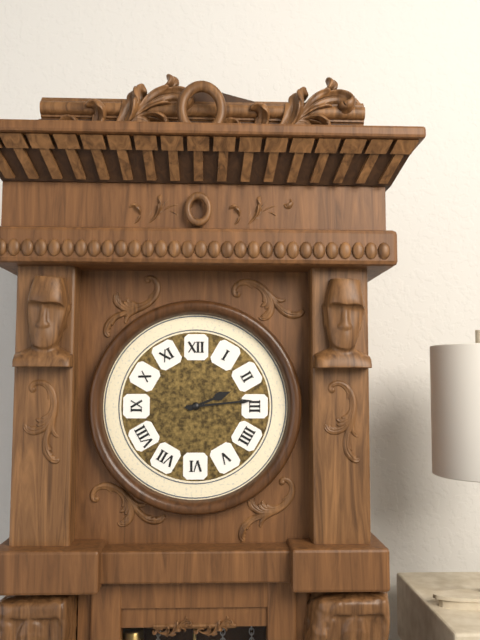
2:14
